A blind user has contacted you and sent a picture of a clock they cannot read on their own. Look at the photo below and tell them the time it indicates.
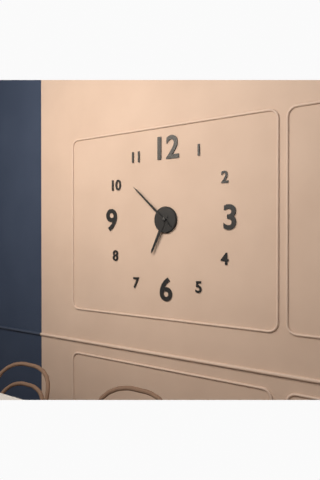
6:52:52
